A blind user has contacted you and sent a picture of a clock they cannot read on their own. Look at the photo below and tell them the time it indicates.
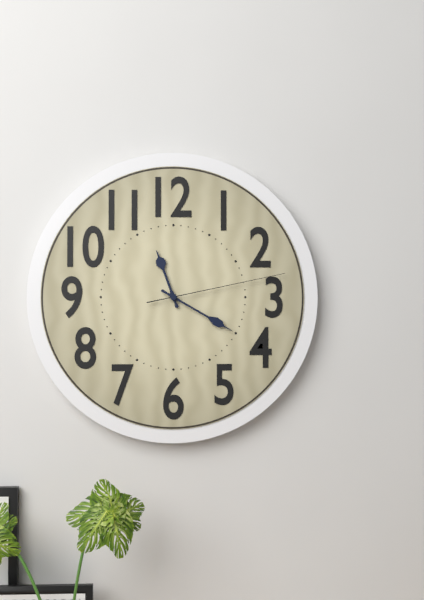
11:20:13
